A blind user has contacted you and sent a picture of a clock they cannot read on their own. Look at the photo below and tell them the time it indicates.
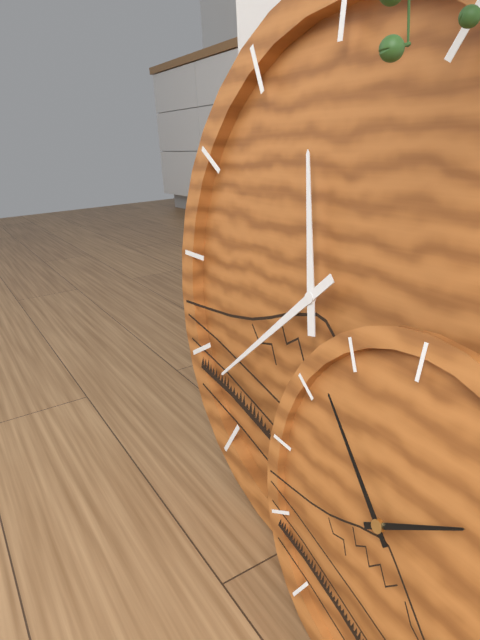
11:38
